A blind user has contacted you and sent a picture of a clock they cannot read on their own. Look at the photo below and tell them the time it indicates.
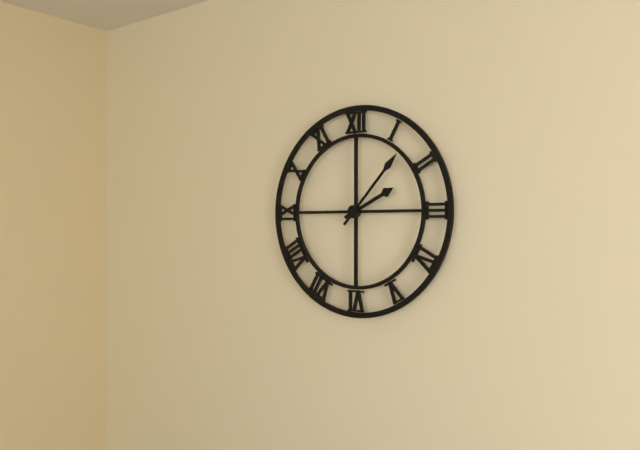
2:07
